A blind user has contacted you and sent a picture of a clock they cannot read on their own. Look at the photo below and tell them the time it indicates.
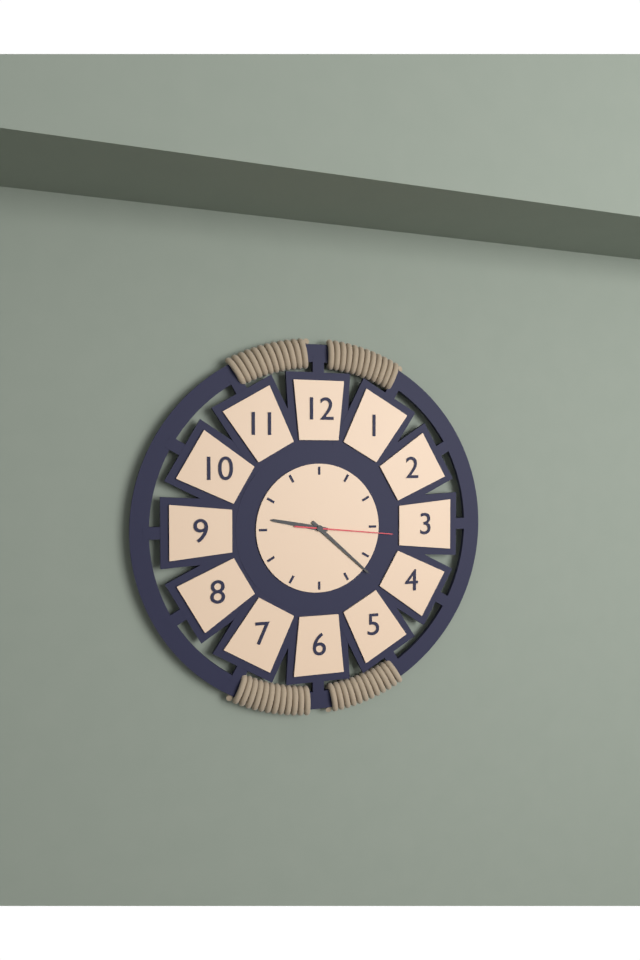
9:22:16
